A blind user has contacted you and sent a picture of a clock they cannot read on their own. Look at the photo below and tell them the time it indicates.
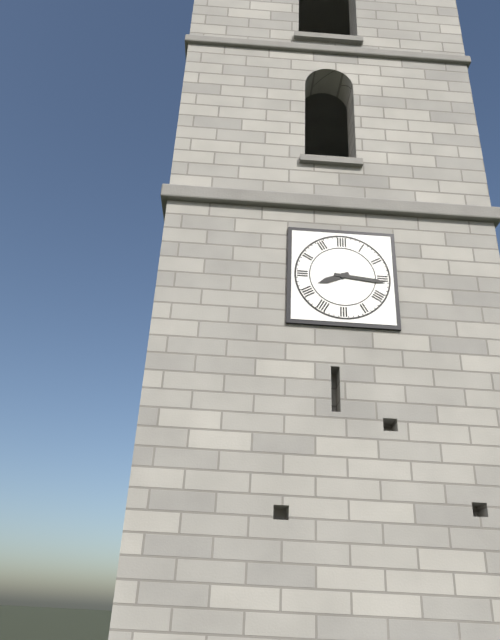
8:16
